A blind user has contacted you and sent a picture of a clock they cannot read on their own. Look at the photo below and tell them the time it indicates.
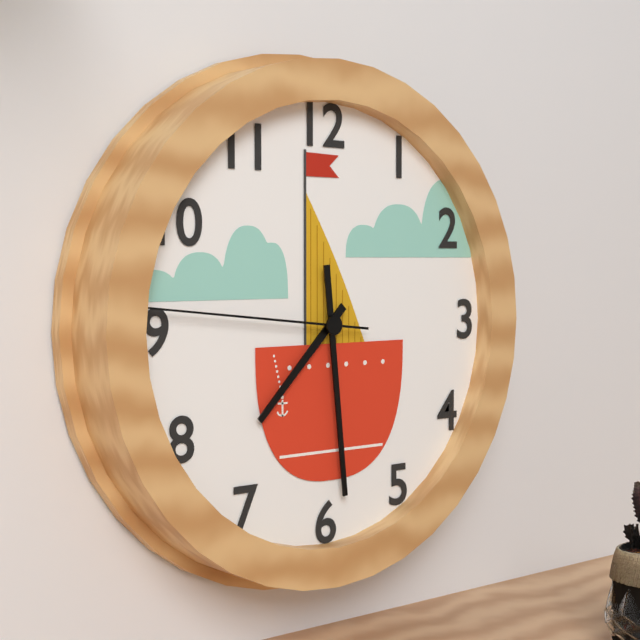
7:29:46
